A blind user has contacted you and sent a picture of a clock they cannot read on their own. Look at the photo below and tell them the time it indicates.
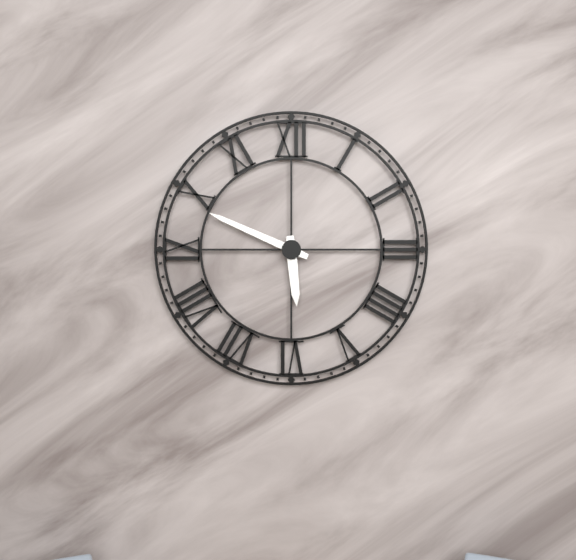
5:49
